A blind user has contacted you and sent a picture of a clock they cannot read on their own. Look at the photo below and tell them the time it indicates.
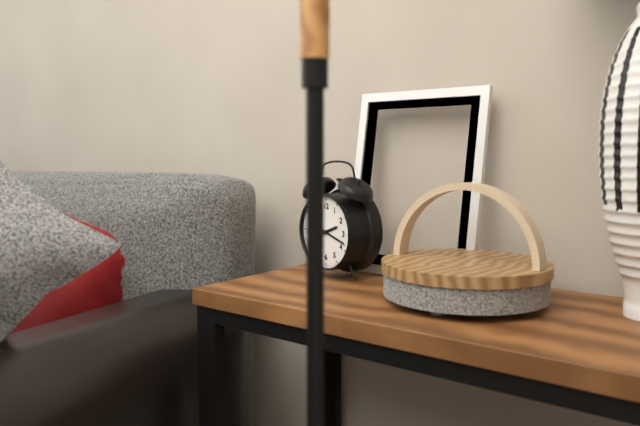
2:18
